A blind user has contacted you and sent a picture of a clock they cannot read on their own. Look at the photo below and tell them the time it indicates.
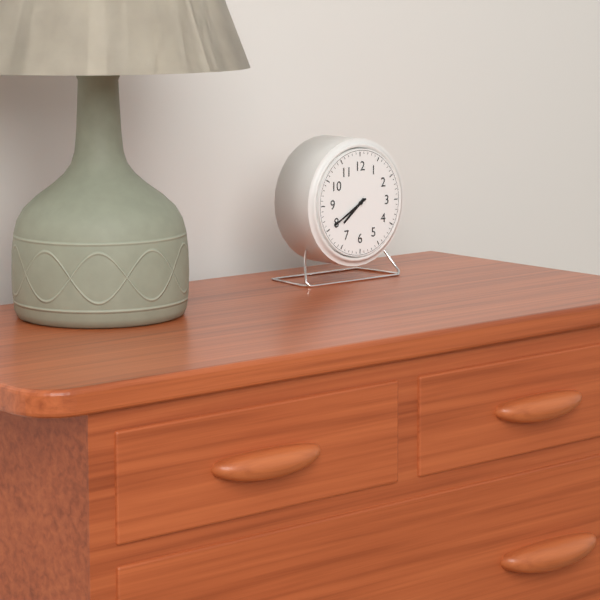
7:40
